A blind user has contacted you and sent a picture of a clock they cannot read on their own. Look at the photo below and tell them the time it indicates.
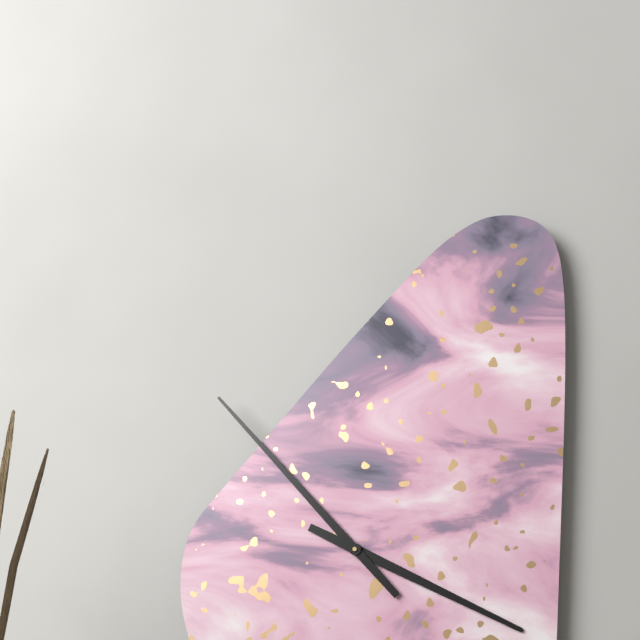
3:53
